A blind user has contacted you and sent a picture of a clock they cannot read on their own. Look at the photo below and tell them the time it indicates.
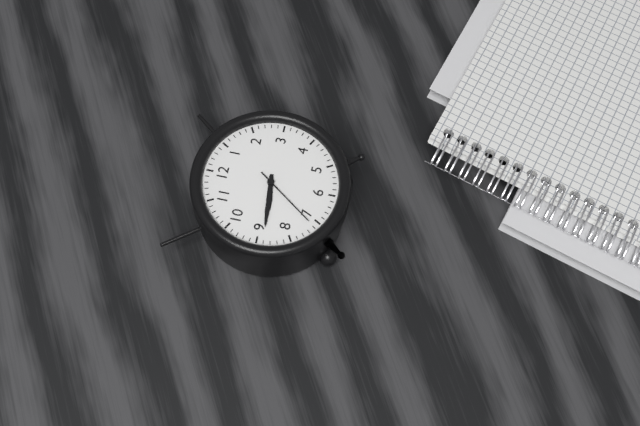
8:44:36
